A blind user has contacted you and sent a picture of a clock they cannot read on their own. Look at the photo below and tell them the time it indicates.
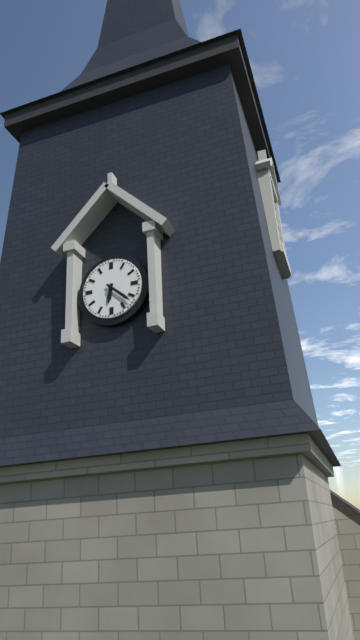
6:22
